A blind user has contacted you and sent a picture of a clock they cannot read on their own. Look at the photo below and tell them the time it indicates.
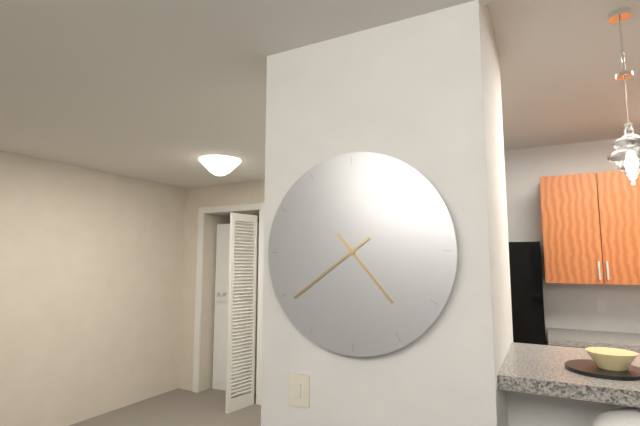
4:39
